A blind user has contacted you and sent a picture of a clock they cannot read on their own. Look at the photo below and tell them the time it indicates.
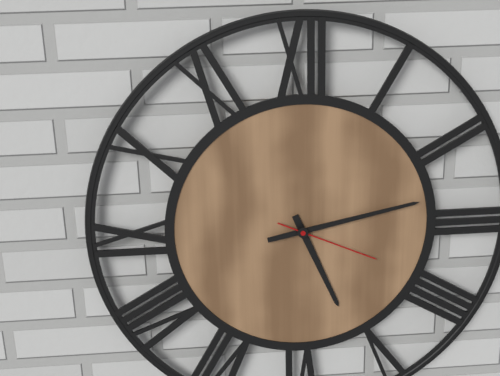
5:13:19
